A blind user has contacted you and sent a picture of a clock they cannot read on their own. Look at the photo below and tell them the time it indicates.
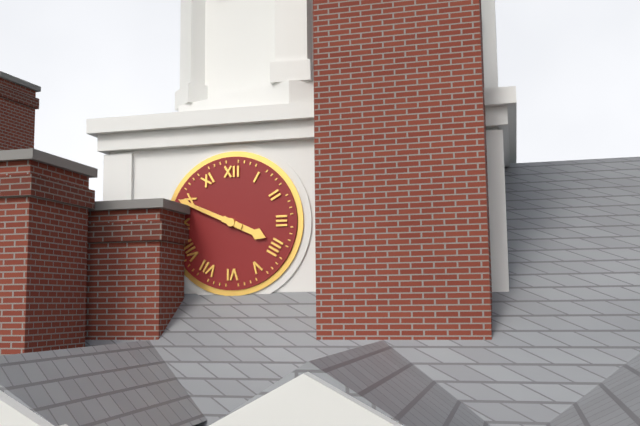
3:49
